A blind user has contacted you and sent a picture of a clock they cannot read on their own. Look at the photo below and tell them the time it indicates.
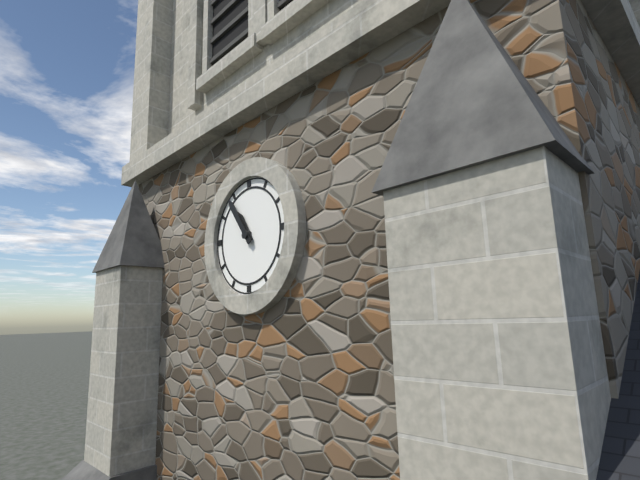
10:54
